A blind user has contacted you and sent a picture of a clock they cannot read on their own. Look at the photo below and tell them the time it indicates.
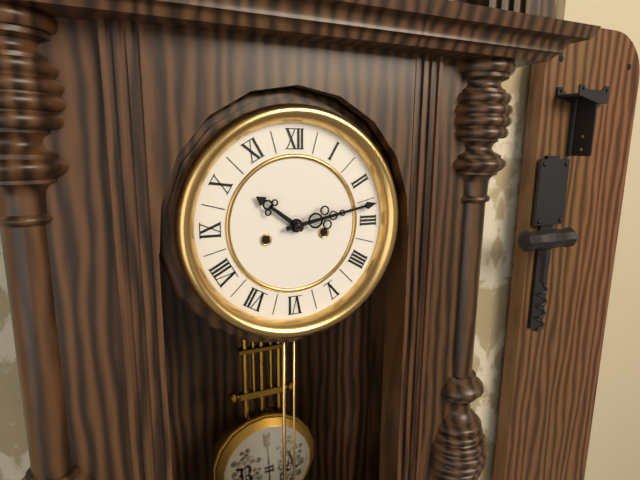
10:13
